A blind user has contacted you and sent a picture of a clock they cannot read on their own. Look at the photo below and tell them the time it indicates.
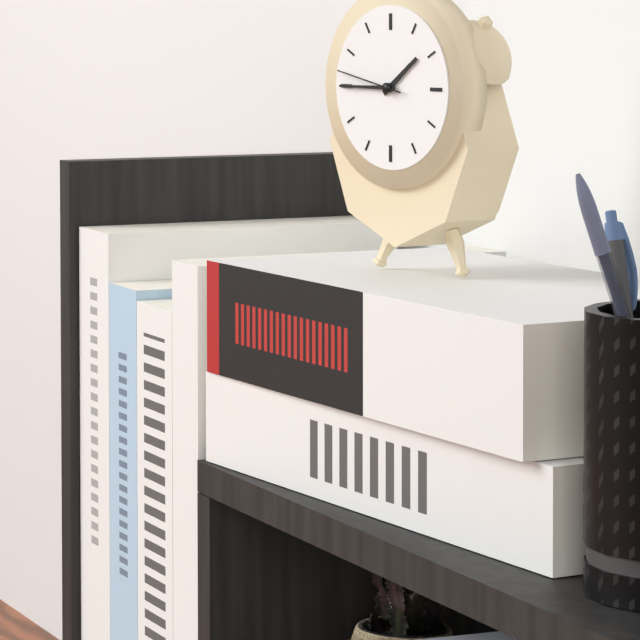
1:45:47
